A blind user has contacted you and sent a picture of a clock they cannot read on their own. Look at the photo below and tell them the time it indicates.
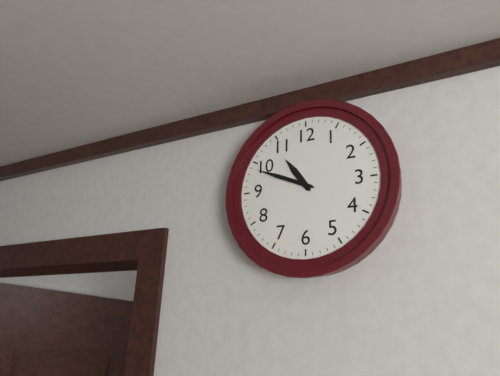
10:49
